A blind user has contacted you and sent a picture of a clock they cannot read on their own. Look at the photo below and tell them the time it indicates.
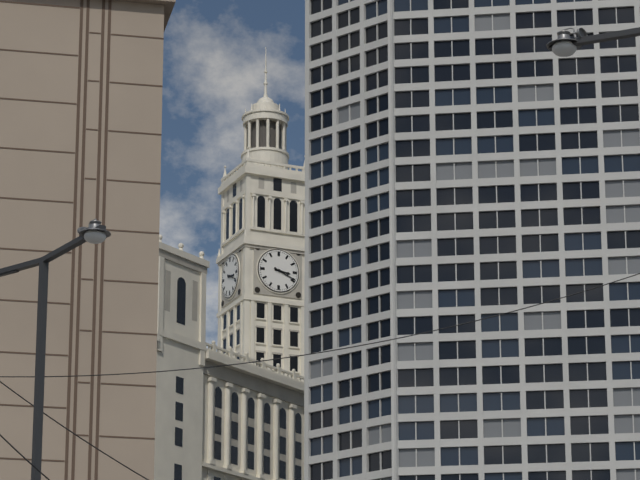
3:19
